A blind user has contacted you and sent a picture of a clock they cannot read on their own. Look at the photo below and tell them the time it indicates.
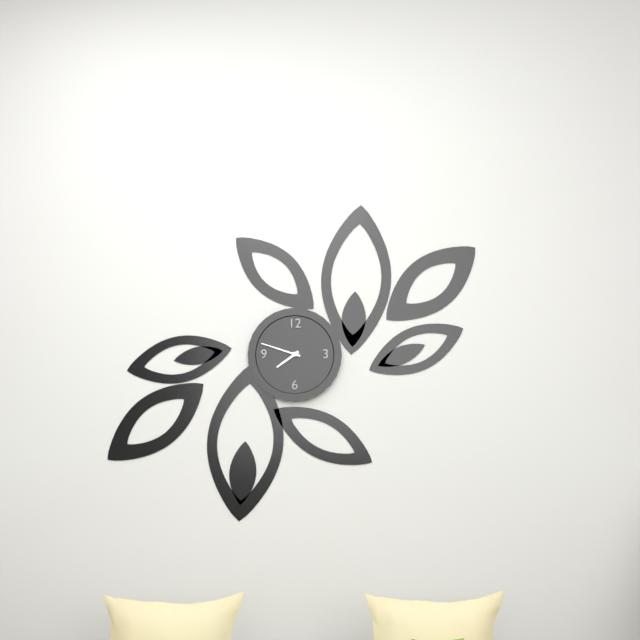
7:48
